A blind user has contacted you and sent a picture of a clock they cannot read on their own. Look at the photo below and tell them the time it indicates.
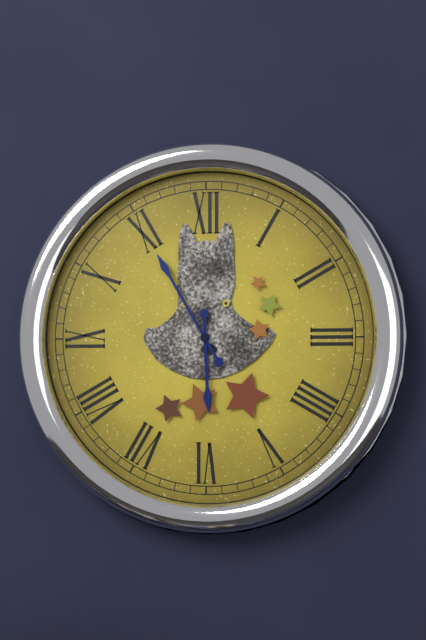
5:55
